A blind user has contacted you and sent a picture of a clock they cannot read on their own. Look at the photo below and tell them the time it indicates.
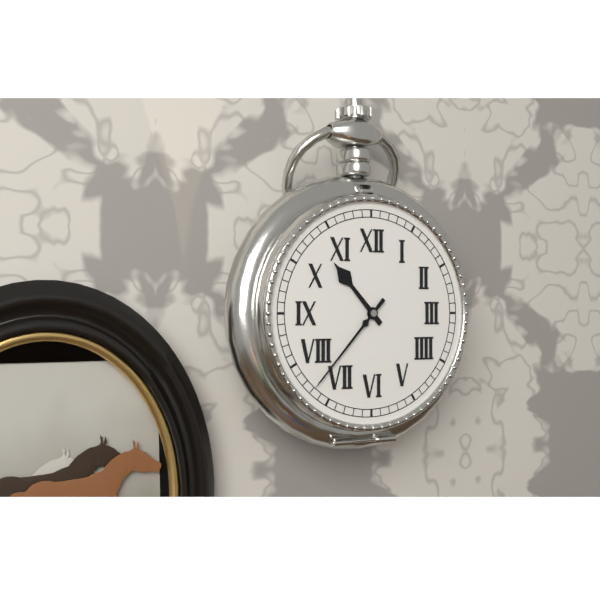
10:37
